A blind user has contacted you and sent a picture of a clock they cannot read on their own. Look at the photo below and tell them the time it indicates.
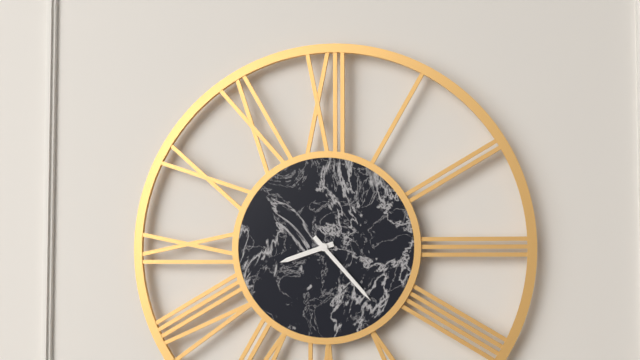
8:23
